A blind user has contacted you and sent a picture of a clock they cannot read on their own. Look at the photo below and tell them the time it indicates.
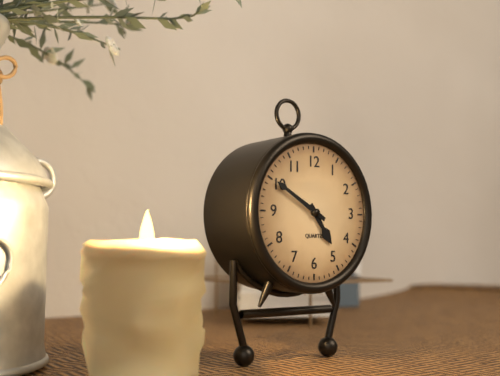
4:50
